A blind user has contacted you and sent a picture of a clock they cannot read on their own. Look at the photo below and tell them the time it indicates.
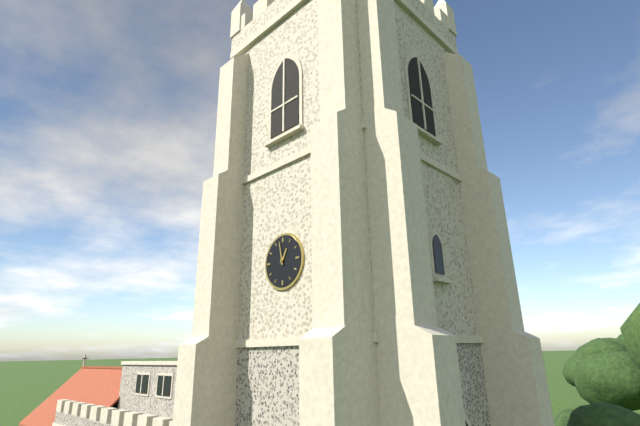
12:58
